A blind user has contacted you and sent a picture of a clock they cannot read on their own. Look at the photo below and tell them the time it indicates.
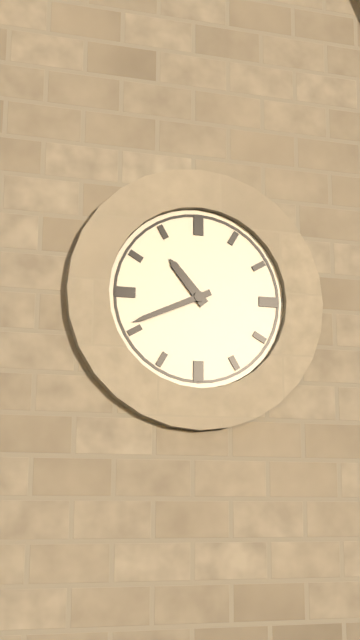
10:41
